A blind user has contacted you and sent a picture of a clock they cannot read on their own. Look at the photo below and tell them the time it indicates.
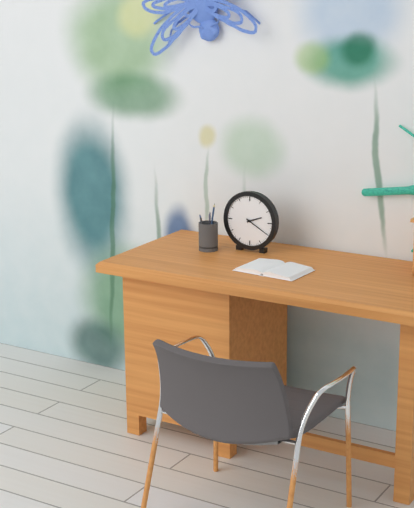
2:20
